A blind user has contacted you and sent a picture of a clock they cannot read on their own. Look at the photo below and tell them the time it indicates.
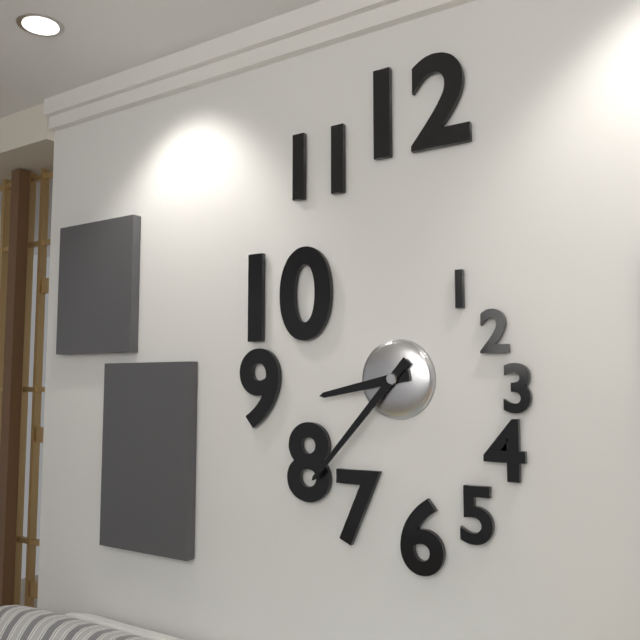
8:37
